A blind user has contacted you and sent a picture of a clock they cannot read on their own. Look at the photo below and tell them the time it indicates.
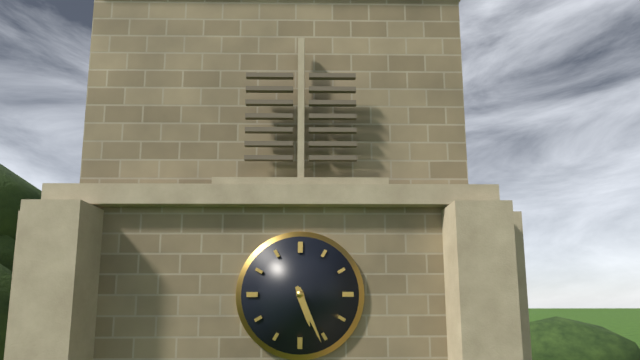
5:26
